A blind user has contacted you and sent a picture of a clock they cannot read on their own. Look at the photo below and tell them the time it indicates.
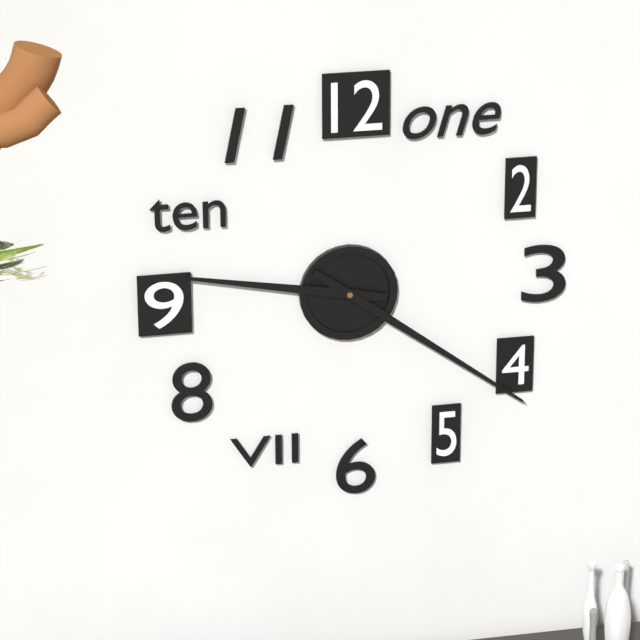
9:21
